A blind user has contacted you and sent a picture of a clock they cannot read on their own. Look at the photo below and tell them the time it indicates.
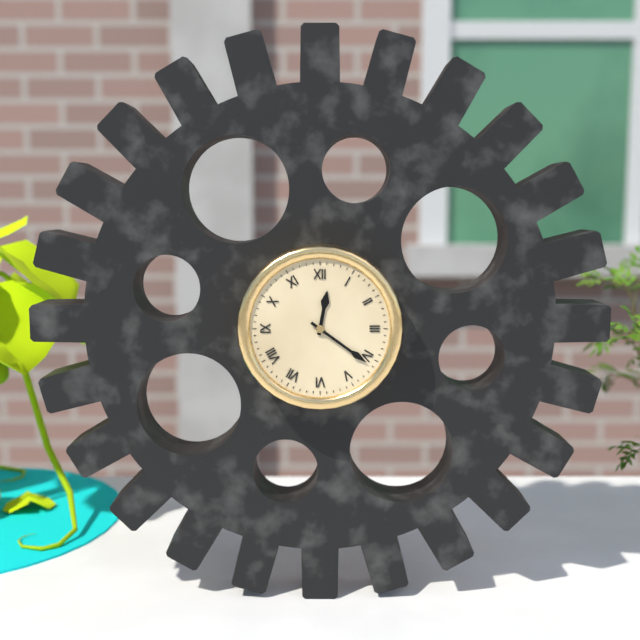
12:21
